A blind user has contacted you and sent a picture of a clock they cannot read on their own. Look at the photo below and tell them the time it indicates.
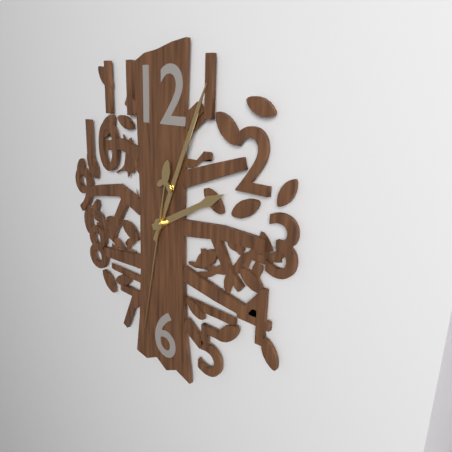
2:04:32
